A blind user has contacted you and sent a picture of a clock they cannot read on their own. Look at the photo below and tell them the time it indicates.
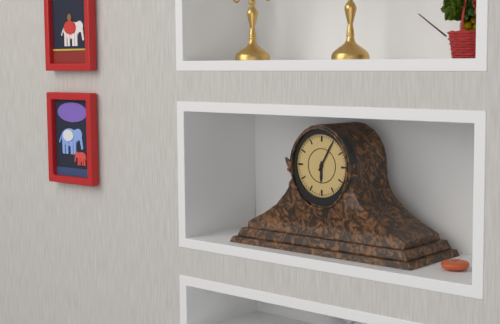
6:05
